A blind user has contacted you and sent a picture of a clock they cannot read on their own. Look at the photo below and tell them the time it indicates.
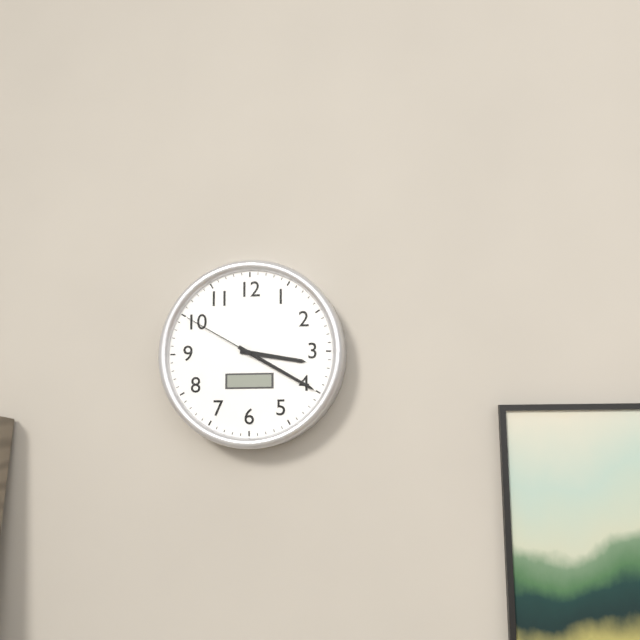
3:20:50
